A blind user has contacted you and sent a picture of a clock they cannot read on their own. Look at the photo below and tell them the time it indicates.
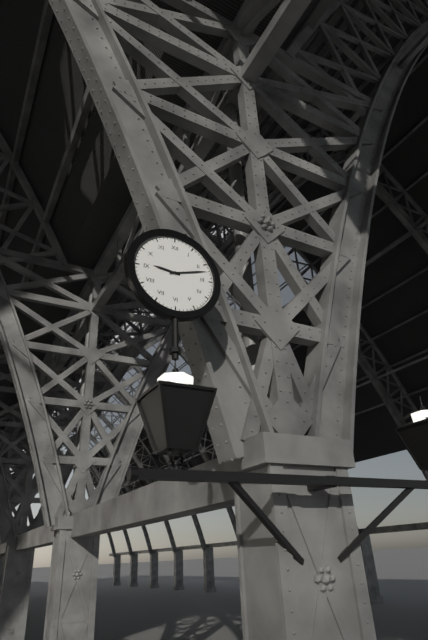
9:12
